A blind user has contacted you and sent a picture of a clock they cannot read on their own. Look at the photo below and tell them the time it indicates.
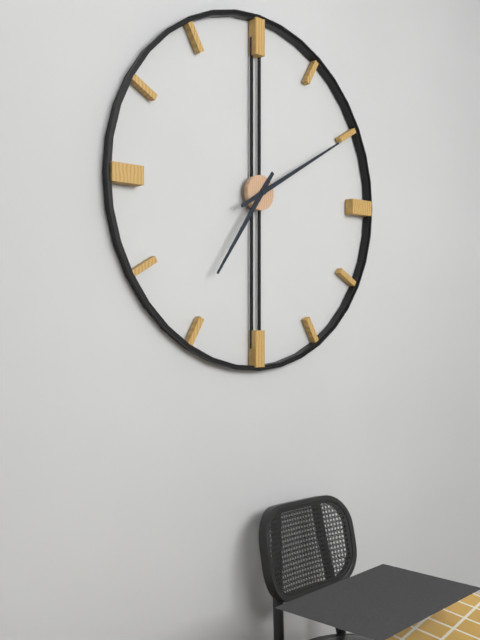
7:10
